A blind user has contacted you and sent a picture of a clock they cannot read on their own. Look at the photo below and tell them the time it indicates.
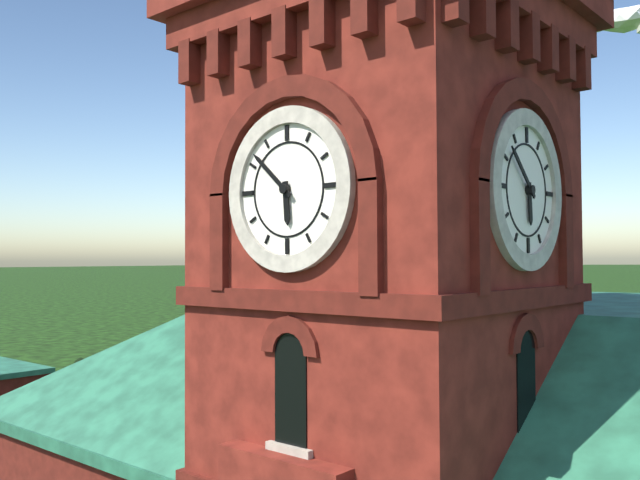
5:52
